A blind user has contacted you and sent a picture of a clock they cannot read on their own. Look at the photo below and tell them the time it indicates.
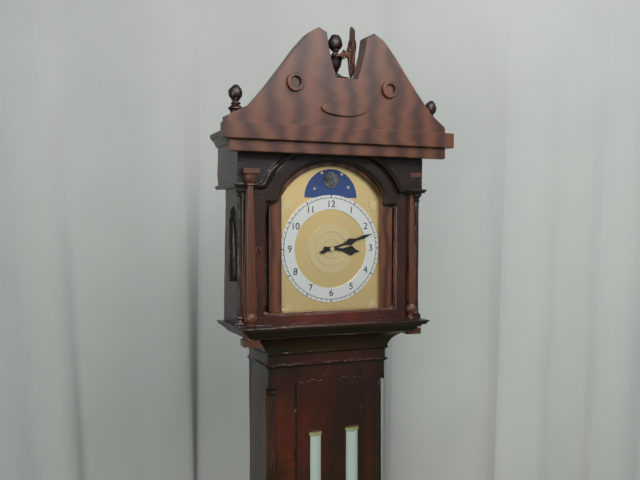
3:12
